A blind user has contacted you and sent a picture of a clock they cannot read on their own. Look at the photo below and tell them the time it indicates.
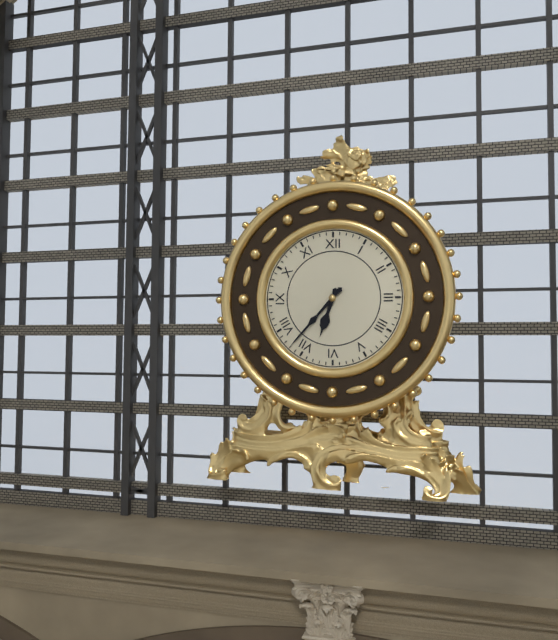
6:37
